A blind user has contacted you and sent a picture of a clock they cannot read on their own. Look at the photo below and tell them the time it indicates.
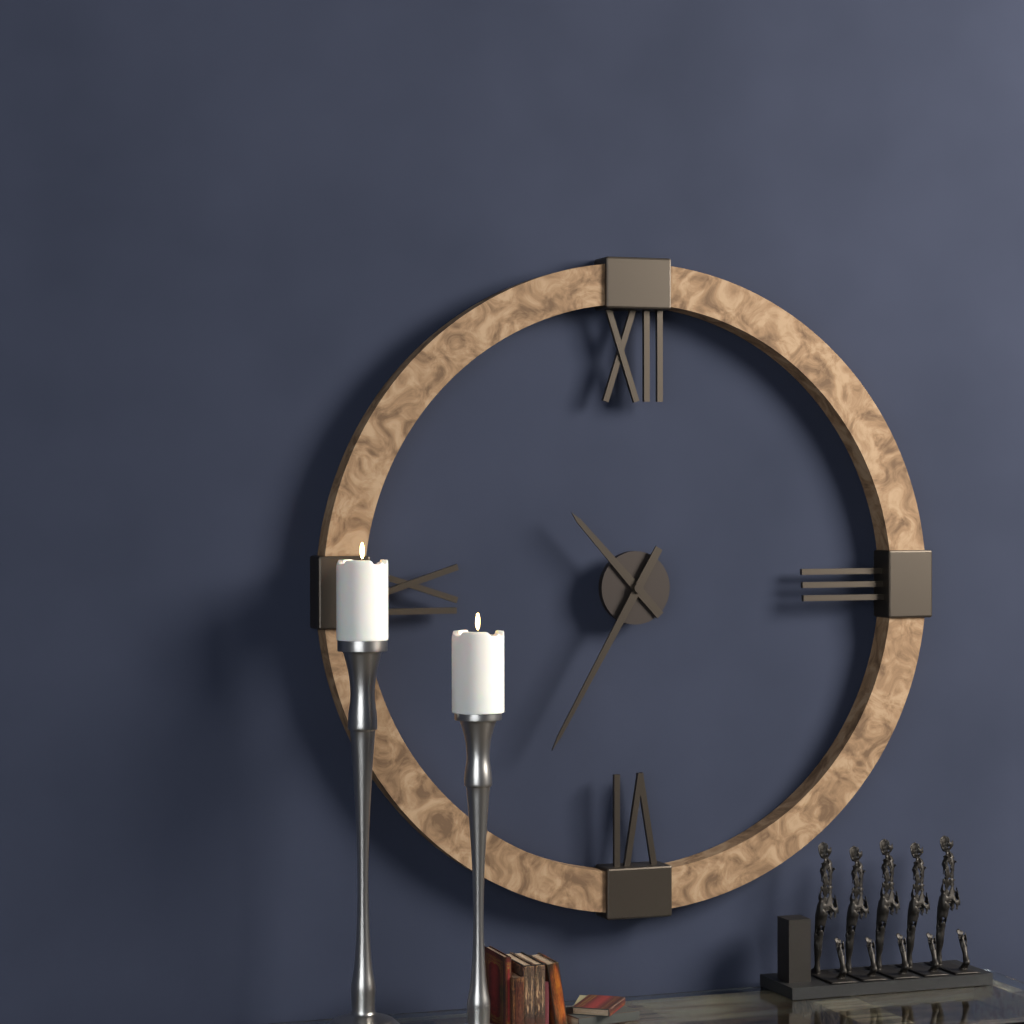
10:35
